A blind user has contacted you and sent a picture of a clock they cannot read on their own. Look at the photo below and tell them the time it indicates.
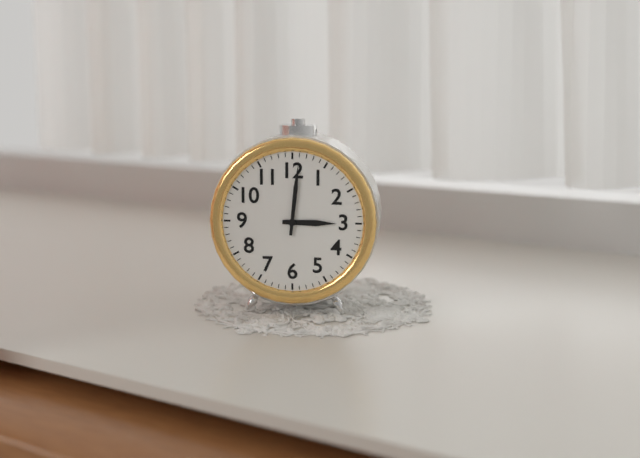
3:01
